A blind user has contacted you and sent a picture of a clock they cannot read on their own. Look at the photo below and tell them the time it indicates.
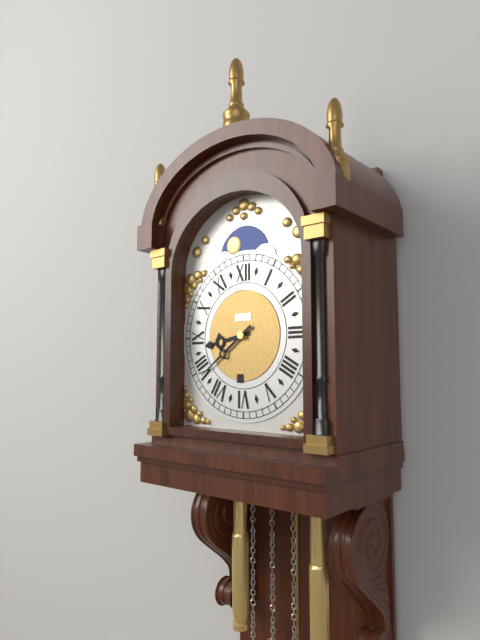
8:39
